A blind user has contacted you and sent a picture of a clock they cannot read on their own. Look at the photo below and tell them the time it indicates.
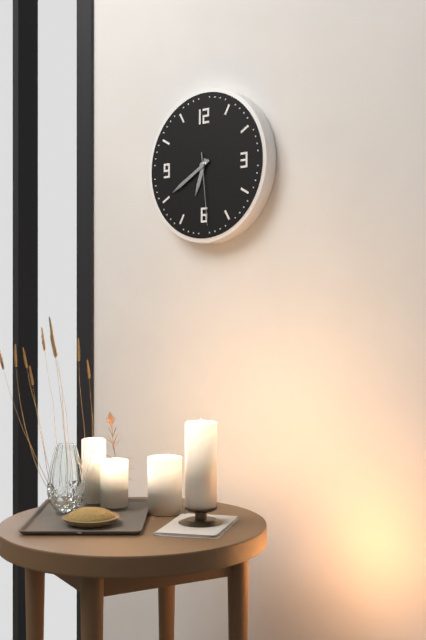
6:40:29
